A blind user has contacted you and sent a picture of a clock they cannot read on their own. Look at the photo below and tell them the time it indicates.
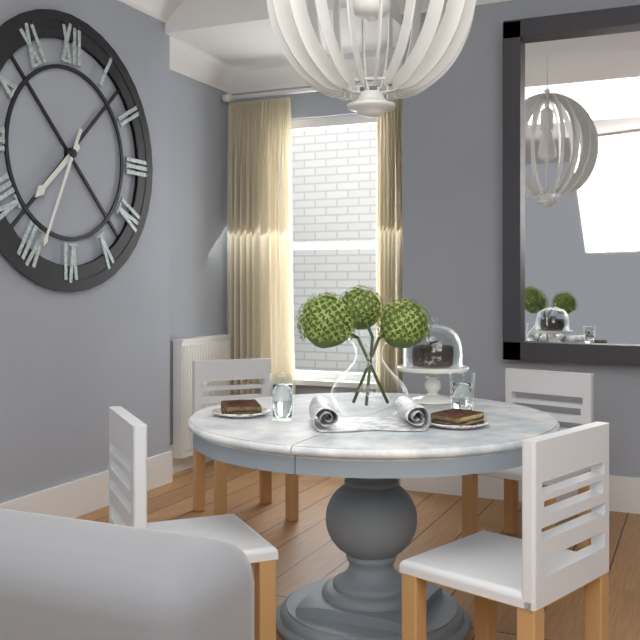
7:34
